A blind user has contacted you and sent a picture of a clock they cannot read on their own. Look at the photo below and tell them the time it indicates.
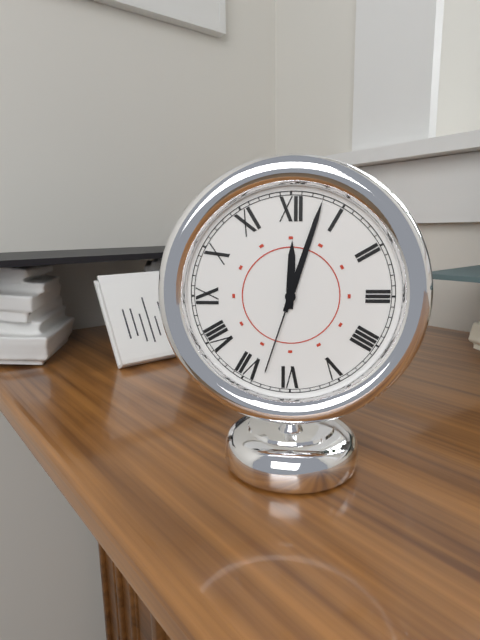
12:03:33
